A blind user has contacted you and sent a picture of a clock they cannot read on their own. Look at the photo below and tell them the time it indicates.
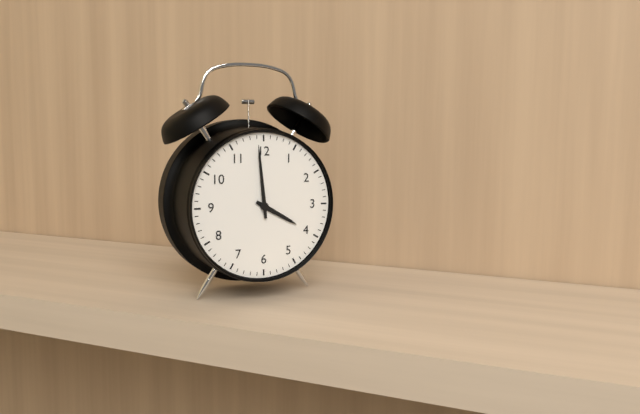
3:59
